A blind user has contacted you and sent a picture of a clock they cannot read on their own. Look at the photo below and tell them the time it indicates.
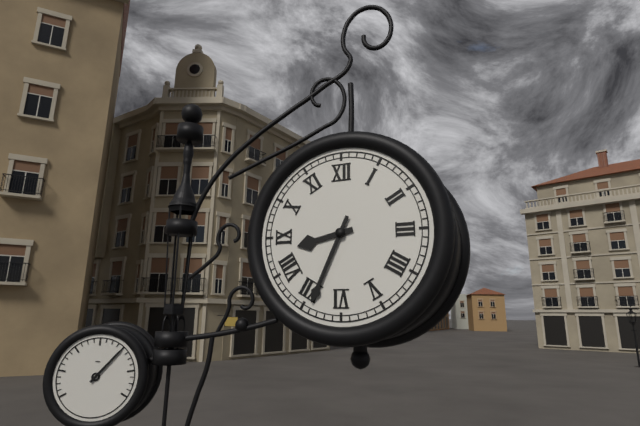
8:34
